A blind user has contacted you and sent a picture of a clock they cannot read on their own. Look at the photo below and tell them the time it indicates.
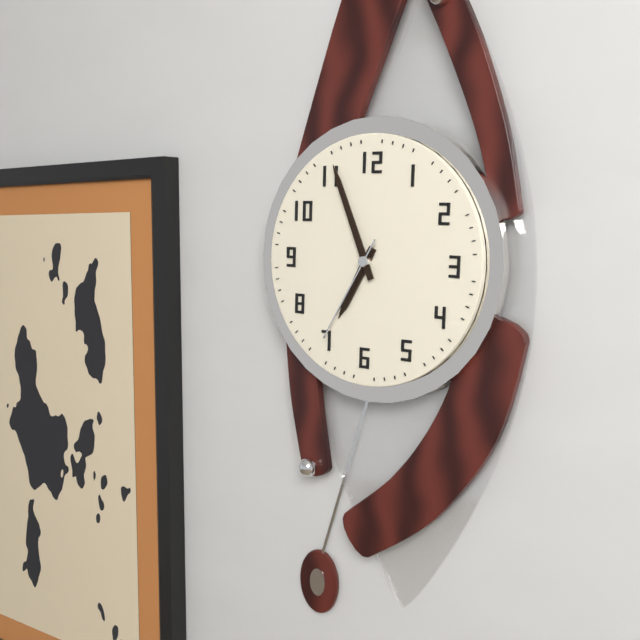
6:56:35
